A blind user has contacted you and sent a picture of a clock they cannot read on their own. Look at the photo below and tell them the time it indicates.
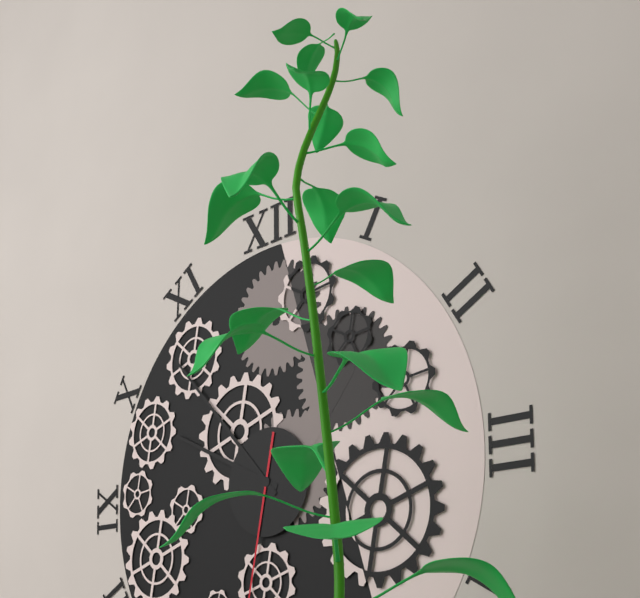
9:53
